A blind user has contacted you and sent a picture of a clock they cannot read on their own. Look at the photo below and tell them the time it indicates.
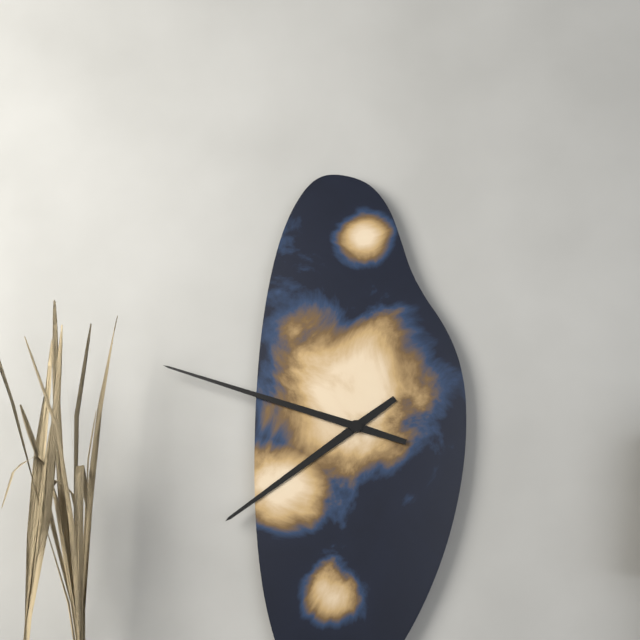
7:48
